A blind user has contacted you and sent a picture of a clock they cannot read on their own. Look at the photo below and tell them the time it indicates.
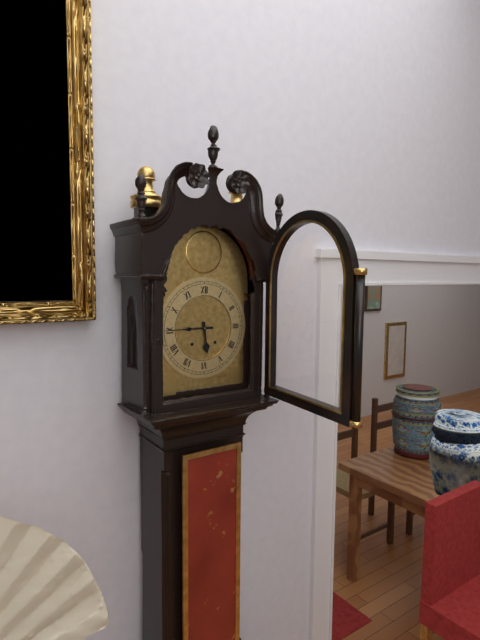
5:45
